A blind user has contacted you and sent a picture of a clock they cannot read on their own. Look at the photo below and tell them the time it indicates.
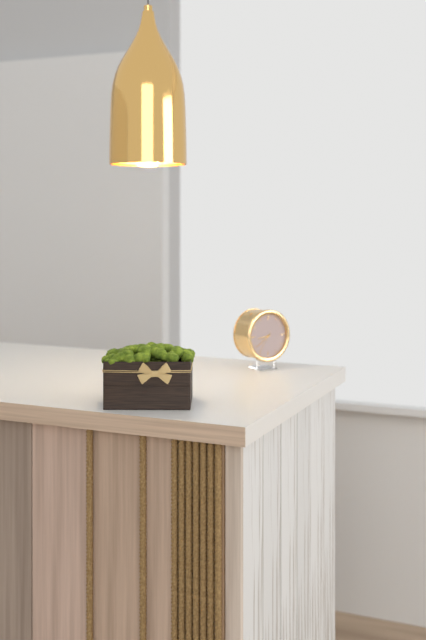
8:39
